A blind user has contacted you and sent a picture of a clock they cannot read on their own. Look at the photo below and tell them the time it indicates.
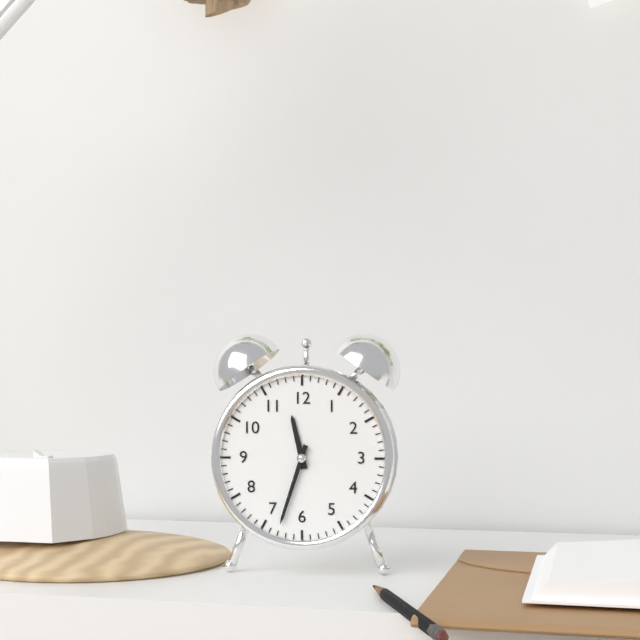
11:33
